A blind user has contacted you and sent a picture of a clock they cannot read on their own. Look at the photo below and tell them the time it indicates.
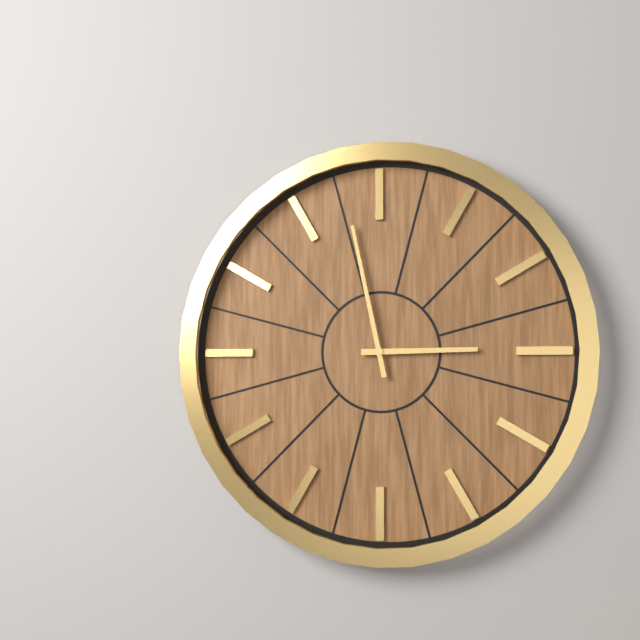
2:58
